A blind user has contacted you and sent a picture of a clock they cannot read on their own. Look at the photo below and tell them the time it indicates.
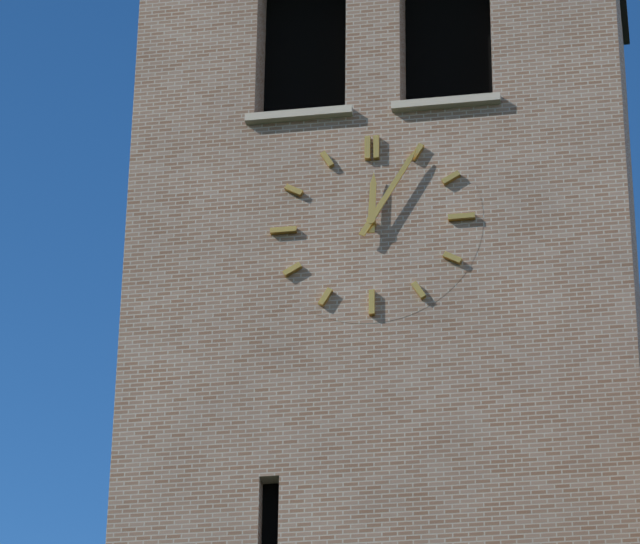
12:05
